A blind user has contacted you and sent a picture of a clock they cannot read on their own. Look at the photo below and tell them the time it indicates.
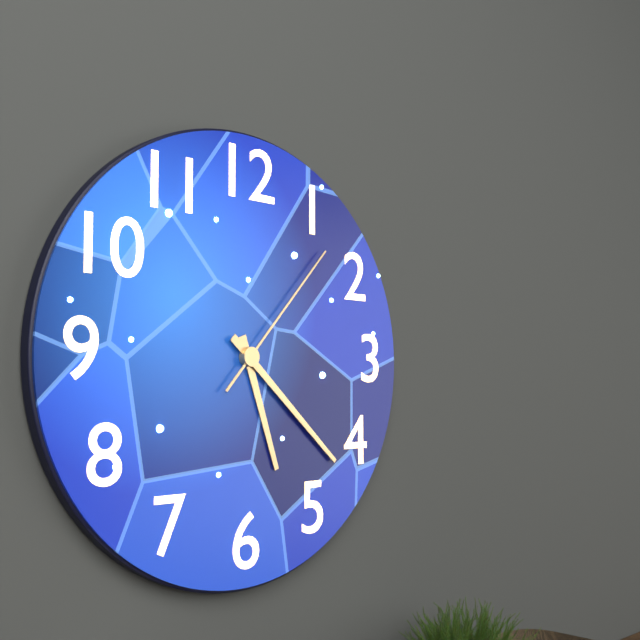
5:22:07
